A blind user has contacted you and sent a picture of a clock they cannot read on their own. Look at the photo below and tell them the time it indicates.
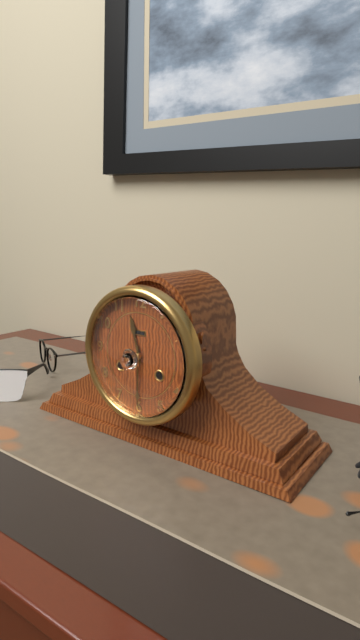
11:30
